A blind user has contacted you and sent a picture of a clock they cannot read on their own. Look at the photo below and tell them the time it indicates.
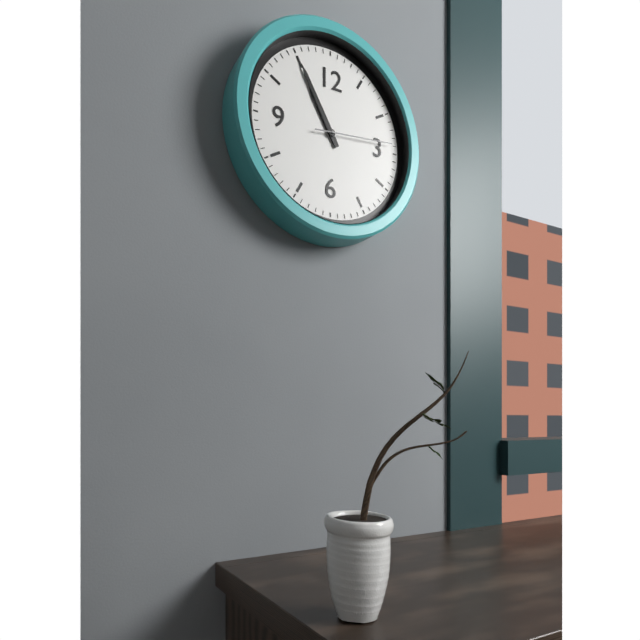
10:55:14
